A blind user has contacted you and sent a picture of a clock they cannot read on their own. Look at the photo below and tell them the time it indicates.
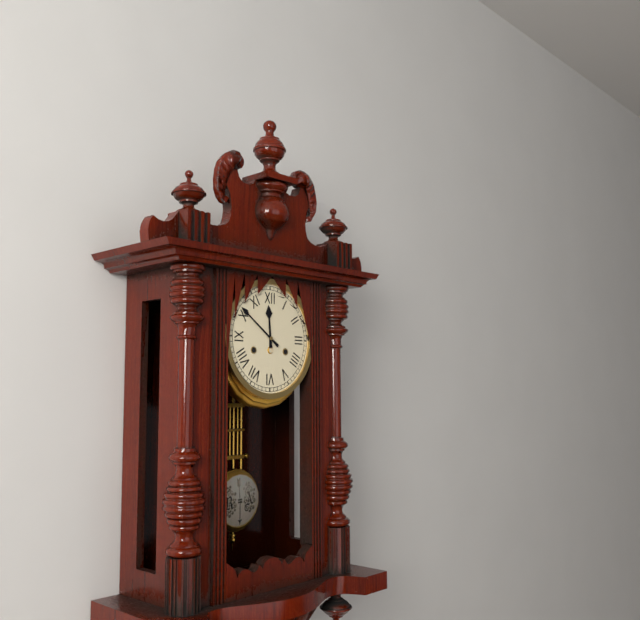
11:51
